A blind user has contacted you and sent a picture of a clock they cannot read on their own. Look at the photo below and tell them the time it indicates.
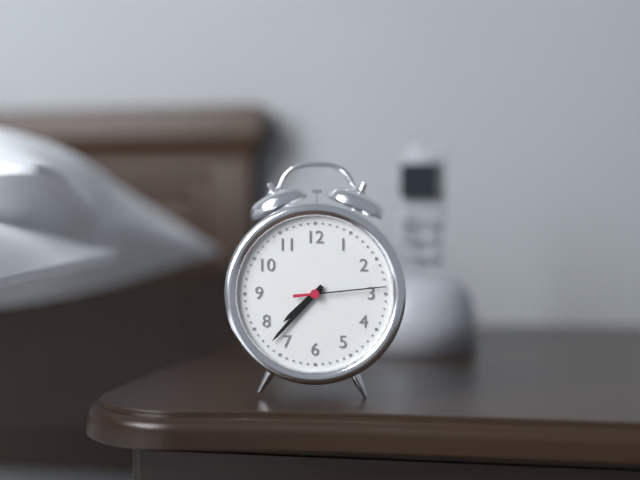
7:37:14
